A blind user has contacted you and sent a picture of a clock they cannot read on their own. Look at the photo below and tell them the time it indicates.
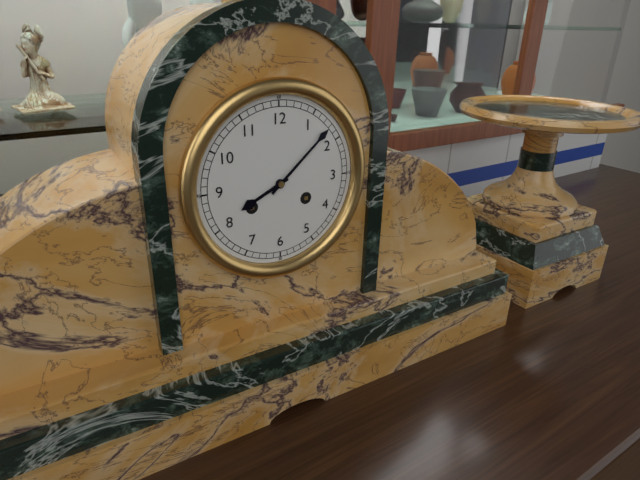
8:08
